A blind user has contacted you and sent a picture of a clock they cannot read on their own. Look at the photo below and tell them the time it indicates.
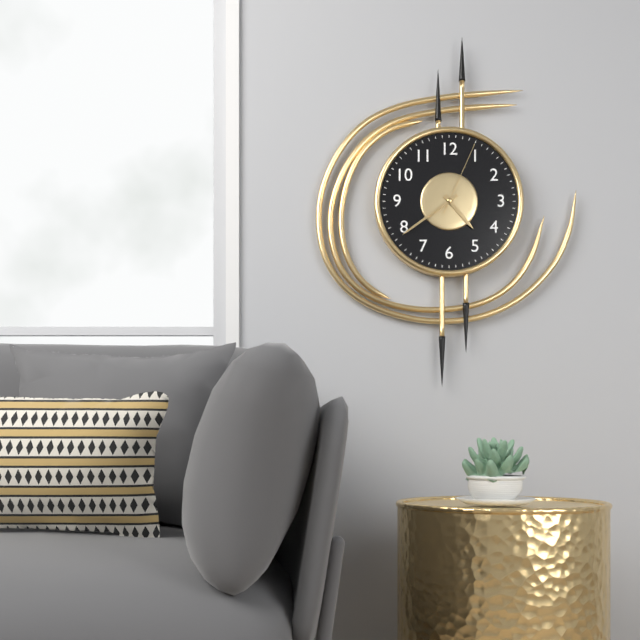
4:39:04
